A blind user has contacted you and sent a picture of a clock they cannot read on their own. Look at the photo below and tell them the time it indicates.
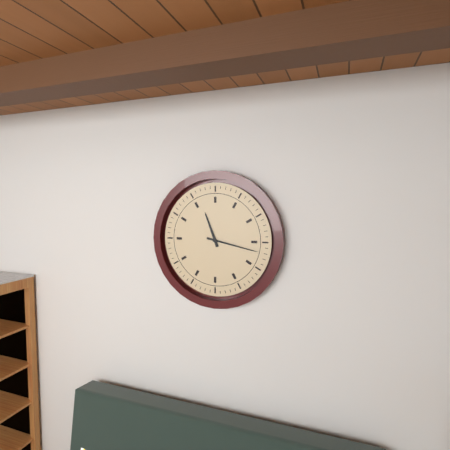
11:17
